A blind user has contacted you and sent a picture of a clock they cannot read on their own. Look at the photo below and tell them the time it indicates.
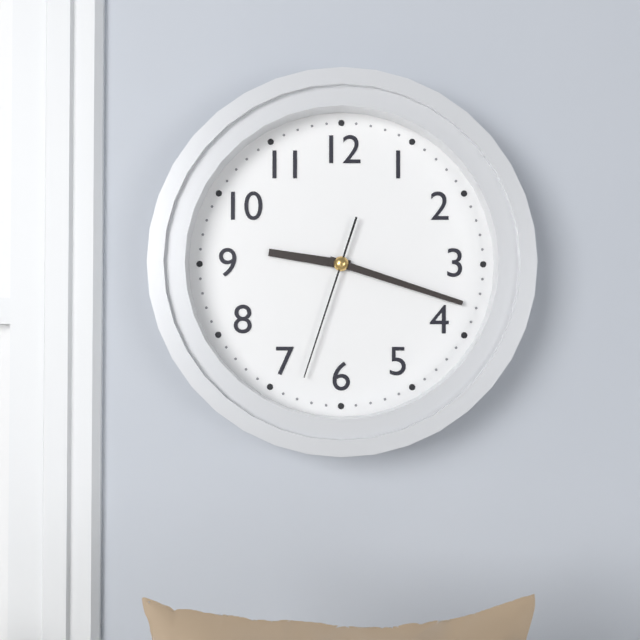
9:18:33
